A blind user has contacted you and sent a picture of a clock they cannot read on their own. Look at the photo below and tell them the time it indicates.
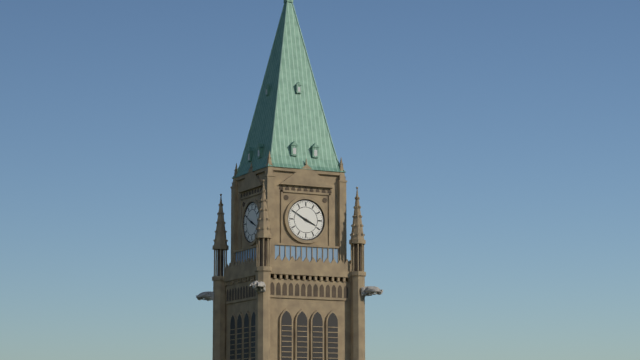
3:50
